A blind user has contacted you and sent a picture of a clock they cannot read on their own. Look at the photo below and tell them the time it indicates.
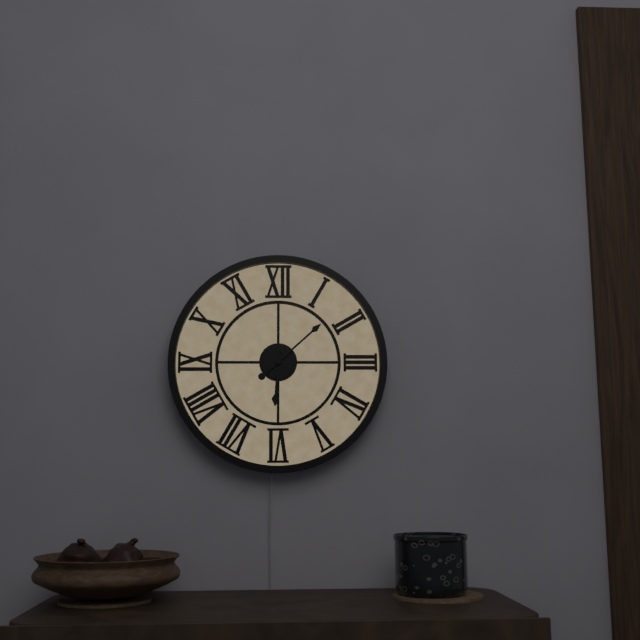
6:08
